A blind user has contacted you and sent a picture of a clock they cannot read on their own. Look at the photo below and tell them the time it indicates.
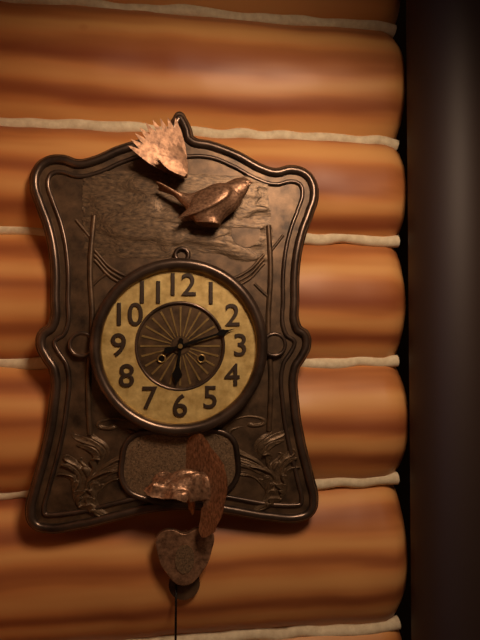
6:12
